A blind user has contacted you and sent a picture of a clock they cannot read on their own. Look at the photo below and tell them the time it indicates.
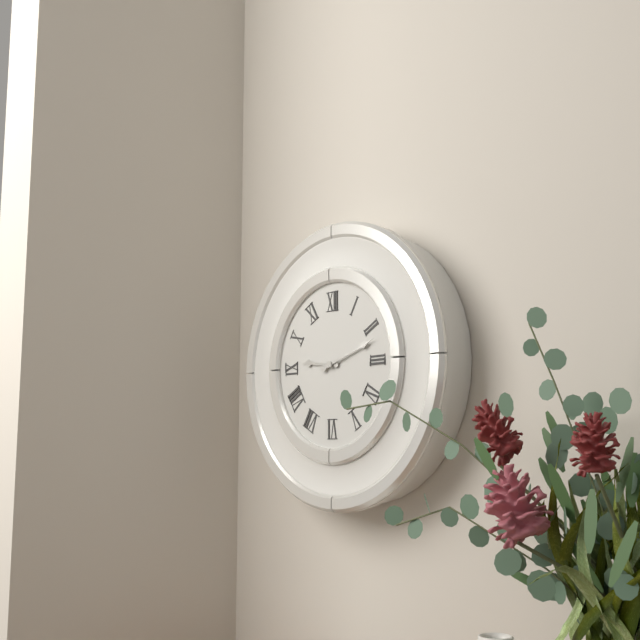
9:12
